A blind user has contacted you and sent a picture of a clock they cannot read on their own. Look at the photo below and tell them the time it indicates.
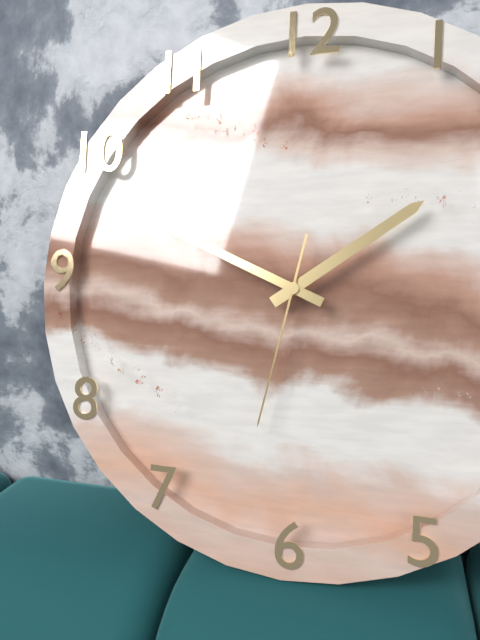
1:49:32
